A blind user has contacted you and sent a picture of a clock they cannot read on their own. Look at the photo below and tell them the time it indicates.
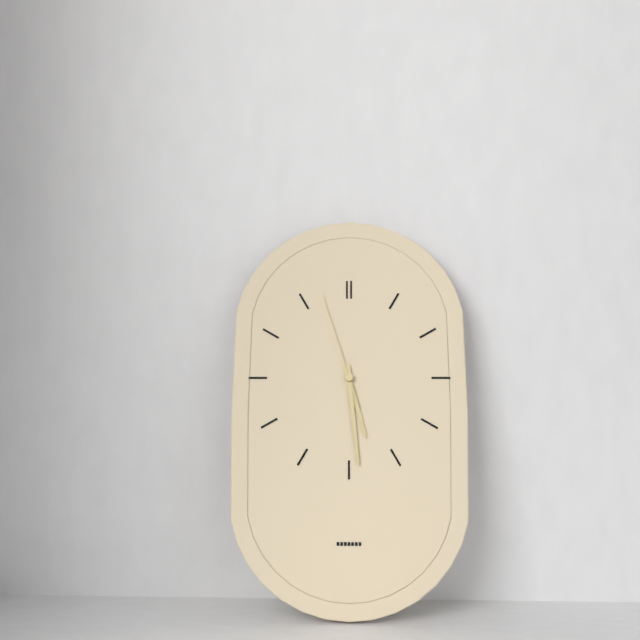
5:29:57
